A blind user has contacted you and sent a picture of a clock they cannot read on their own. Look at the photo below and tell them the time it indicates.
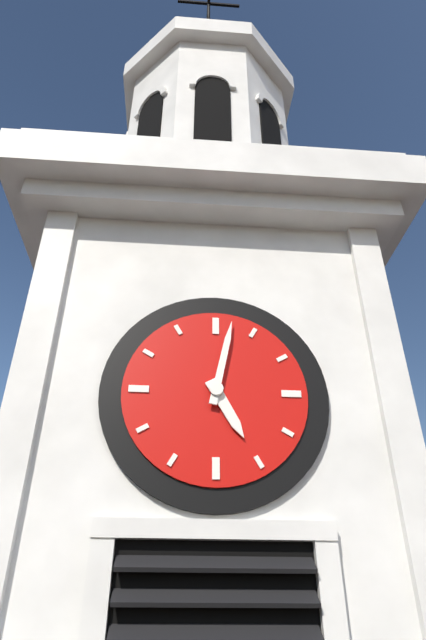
5:02
